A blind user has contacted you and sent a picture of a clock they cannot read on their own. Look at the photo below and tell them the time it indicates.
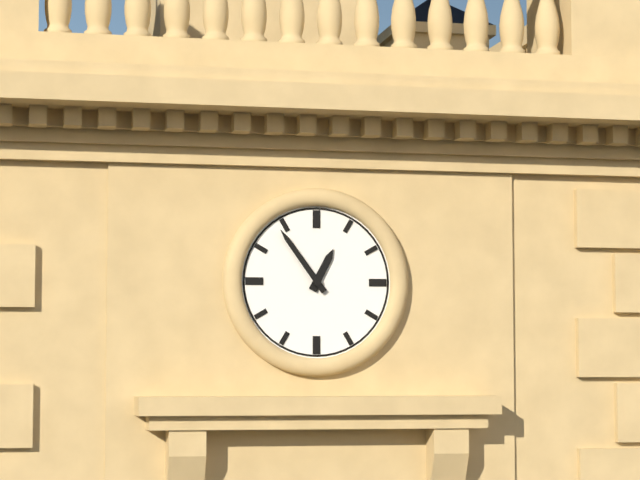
12:54
